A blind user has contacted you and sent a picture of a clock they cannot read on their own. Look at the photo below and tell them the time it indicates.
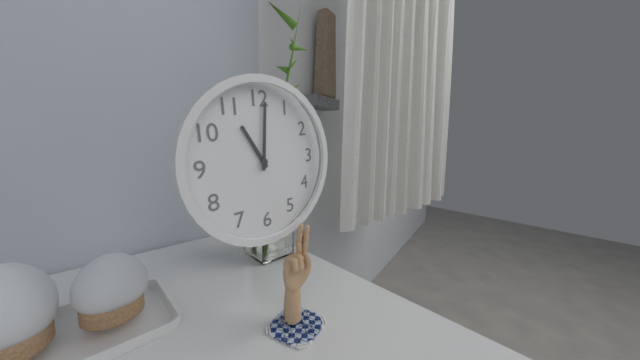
11:01
